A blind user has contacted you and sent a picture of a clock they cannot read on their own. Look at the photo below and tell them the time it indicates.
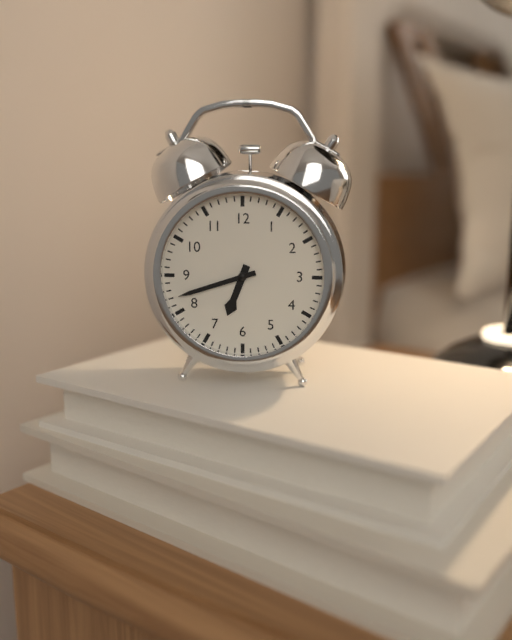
6:42
